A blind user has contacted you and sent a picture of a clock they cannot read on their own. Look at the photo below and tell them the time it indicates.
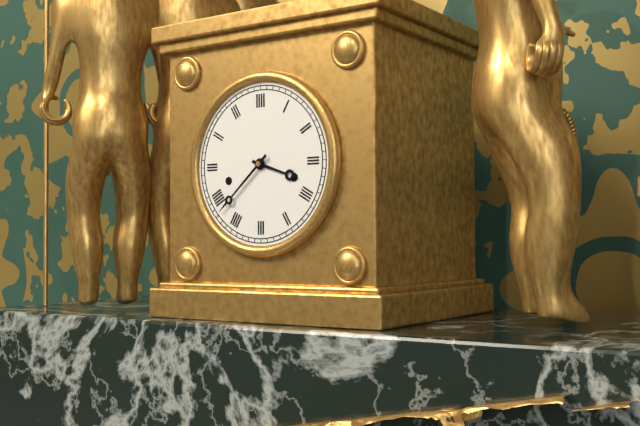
3:38
